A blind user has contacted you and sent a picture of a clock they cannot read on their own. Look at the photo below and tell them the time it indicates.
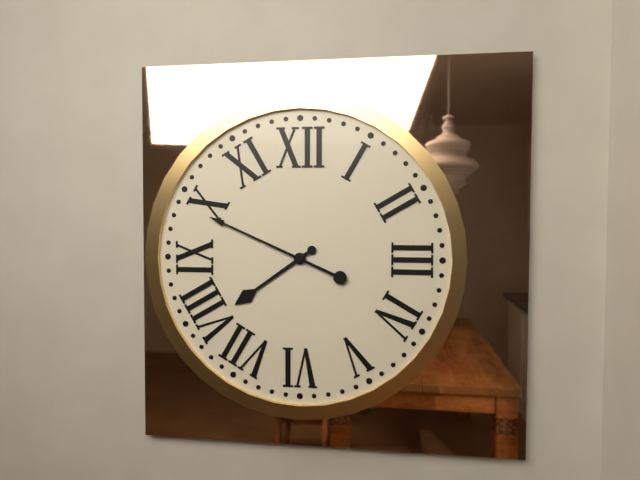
7:49
